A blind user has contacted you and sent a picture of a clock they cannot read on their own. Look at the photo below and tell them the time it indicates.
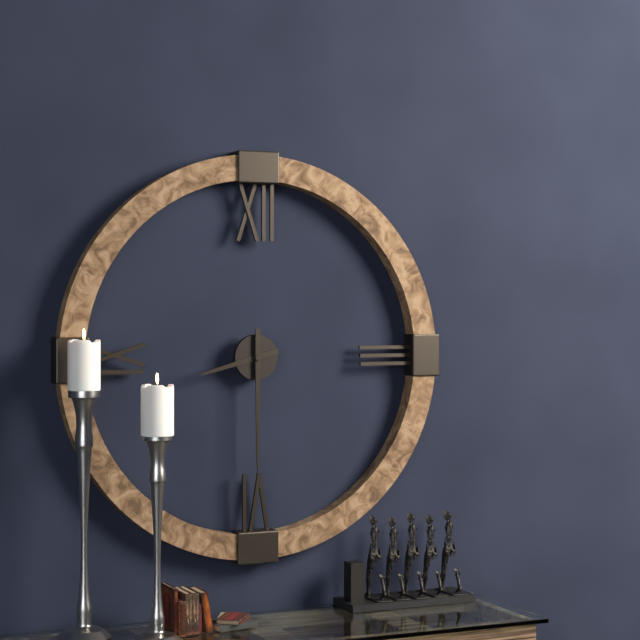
8:30
